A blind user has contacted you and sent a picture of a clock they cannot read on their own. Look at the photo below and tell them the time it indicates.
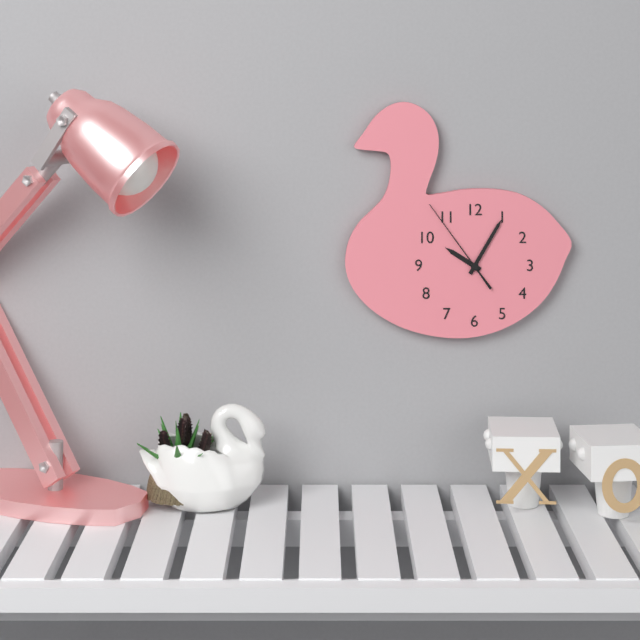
10:05:54
